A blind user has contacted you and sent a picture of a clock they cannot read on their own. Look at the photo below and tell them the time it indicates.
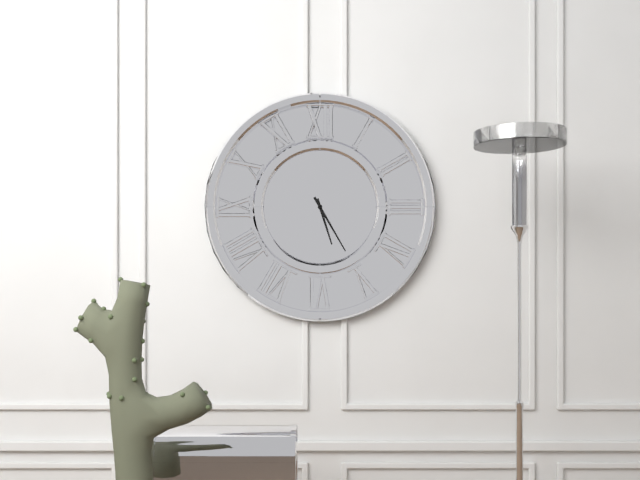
5:25
